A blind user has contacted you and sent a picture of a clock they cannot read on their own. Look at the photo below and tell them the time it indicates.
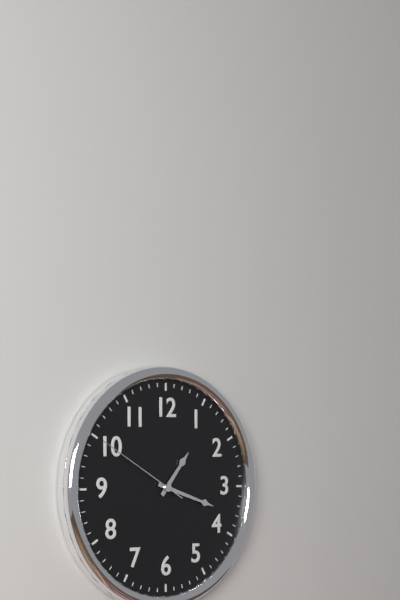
1:18:50
